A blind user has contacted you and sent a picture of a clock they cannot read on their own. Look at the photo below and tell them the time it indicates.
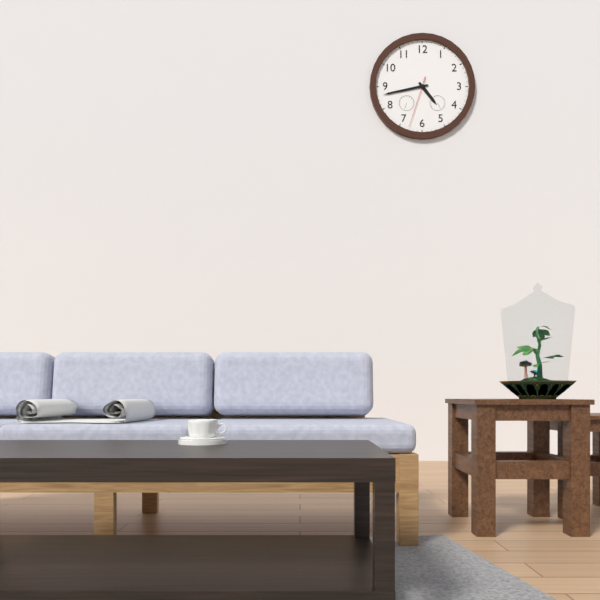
4:43:33
